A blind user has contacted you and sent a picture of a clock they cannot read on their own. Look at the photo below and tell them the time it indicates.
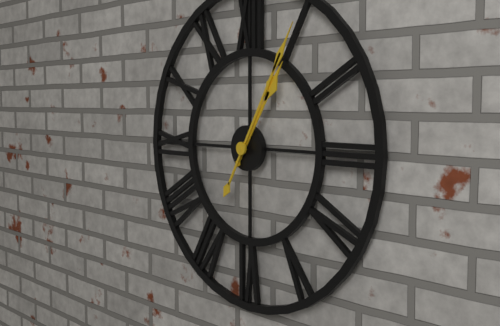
1:05
